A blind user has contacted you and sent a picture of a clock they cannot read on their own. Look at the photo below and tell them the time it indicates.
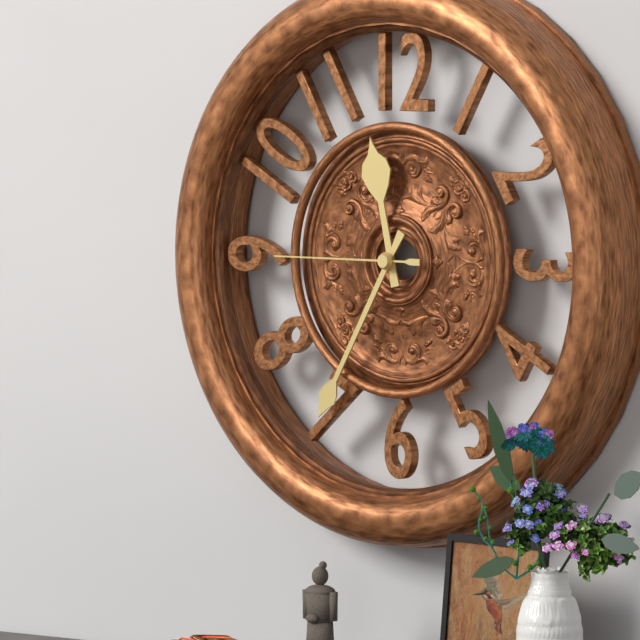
11:35:45
